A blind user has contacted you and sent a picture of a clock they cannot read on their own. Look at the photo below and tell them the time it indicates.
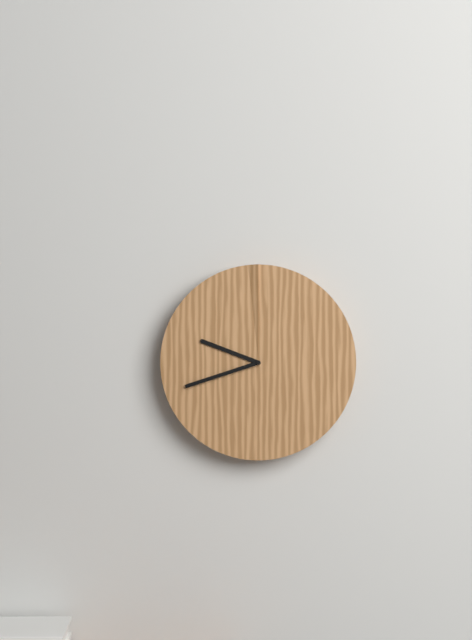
9:42
